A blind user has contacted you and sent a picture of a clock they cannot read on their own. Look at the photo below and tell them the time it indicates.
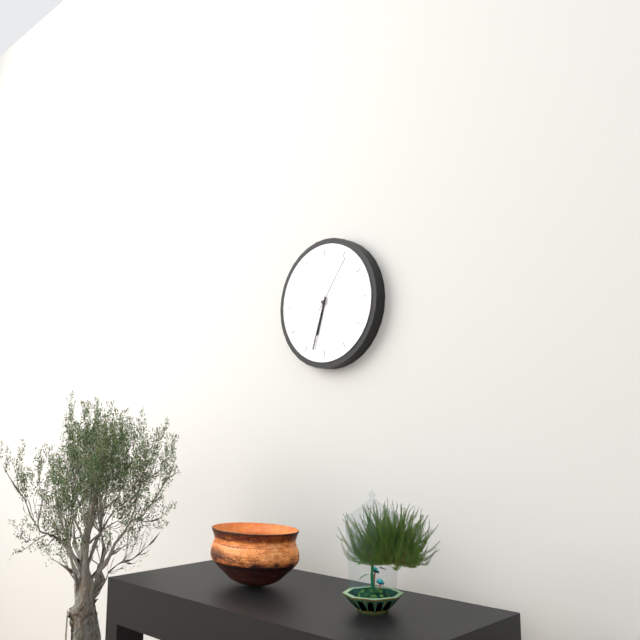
6:33:06
